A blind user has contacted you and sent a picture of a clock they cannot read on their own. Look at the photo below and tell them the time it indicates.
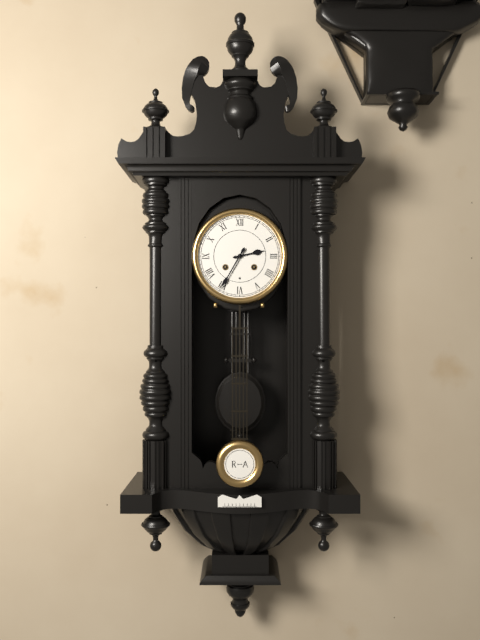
2:35
